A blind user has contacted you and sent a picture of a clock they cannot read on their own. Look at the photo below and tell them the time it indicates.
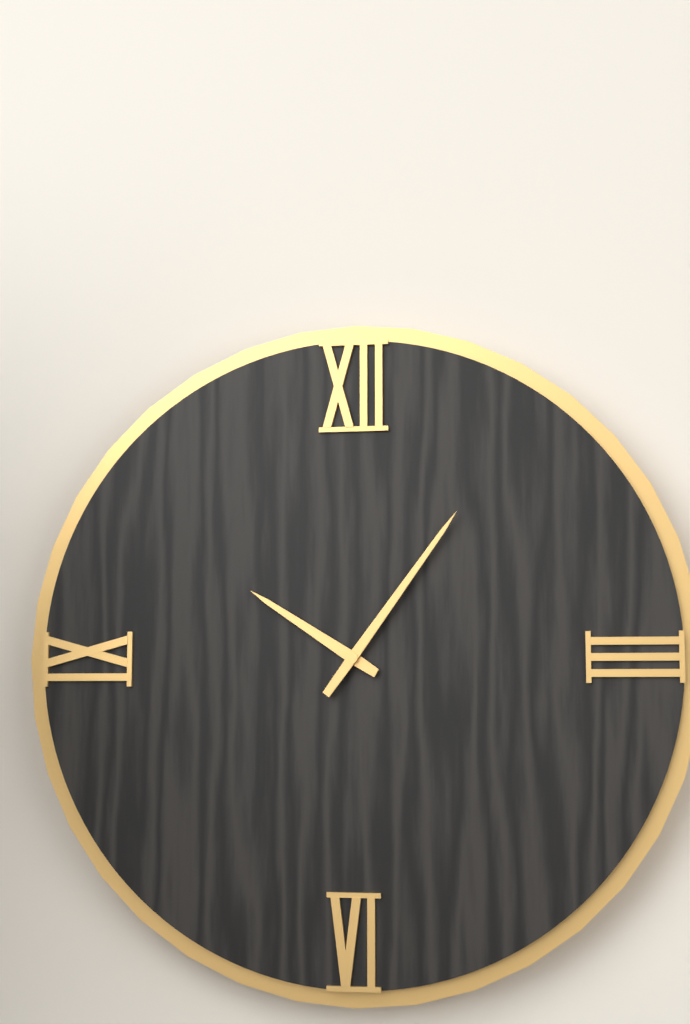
10:06
